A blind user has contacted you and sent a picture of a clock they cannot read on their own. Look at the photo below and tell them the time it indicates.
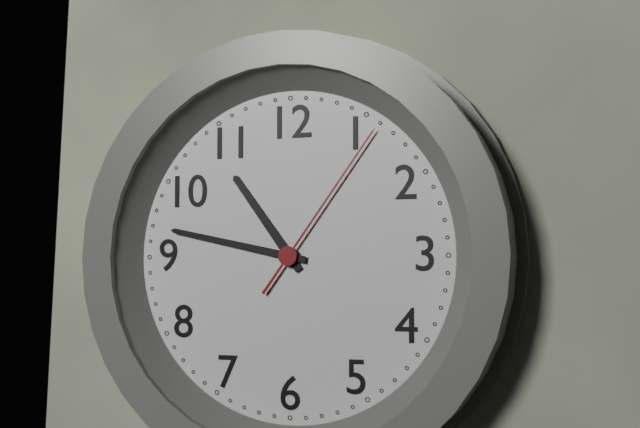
10:47:06
